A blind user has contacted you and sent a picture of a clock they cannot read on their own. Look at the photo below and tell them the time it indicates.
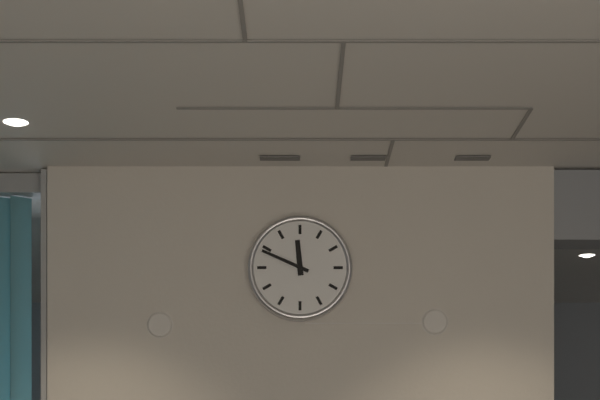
11:49
